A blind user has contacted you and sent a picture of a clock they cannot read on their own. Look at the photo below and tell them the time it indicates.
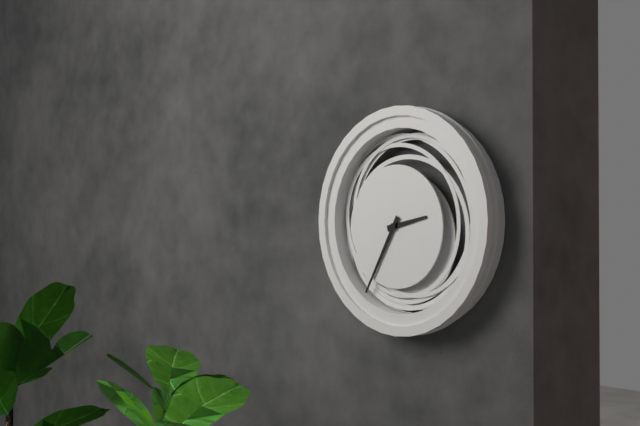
2:35
